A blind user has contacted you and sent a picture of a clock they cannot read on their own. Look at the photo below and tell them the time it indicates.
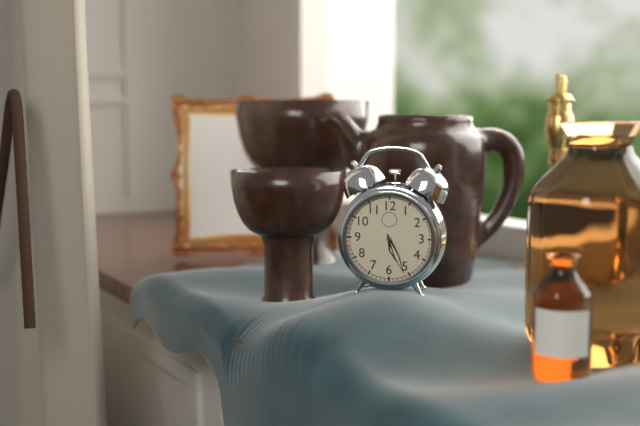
5:26
